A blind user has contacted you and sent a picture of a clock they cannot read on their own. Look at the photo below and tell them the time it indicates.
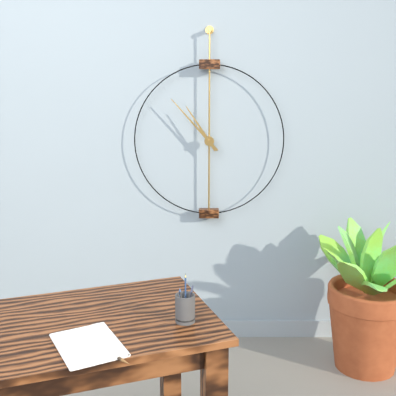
10:53
